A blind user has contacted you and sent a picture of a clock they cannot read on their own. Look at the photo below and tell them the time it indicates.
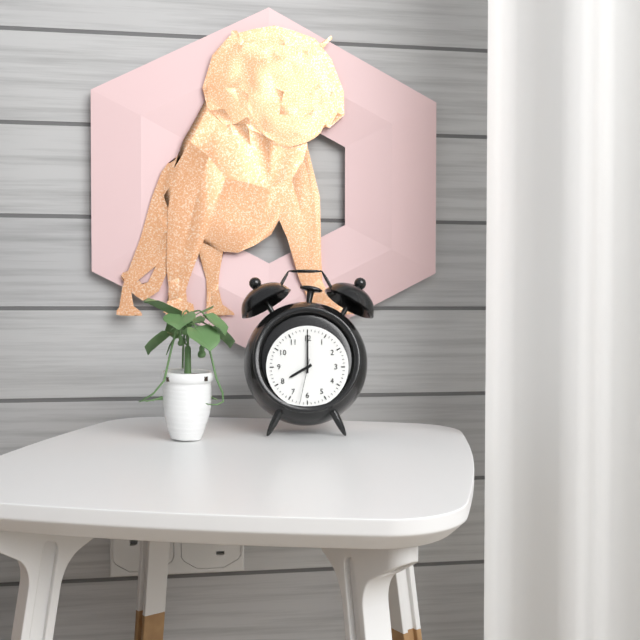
8:00
